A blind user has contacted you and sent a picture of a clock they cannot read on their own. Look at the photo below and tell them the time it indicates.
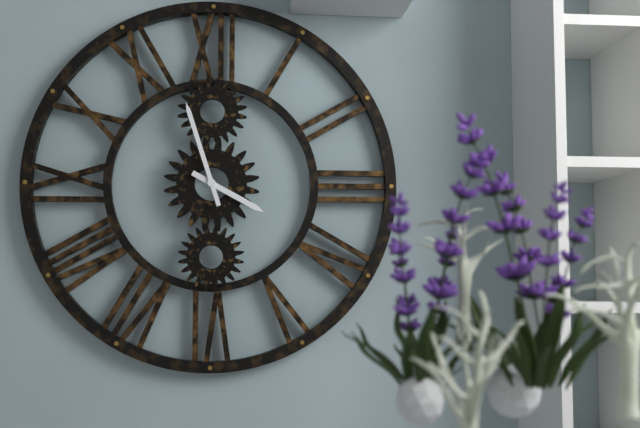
3:57
